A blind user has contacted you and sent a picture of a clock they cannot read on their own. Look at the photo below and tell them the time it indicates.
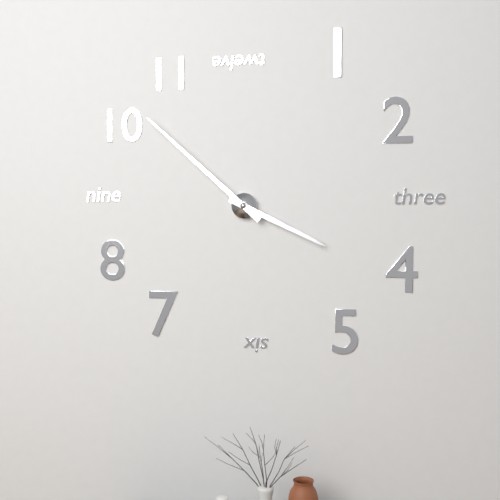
3:52
